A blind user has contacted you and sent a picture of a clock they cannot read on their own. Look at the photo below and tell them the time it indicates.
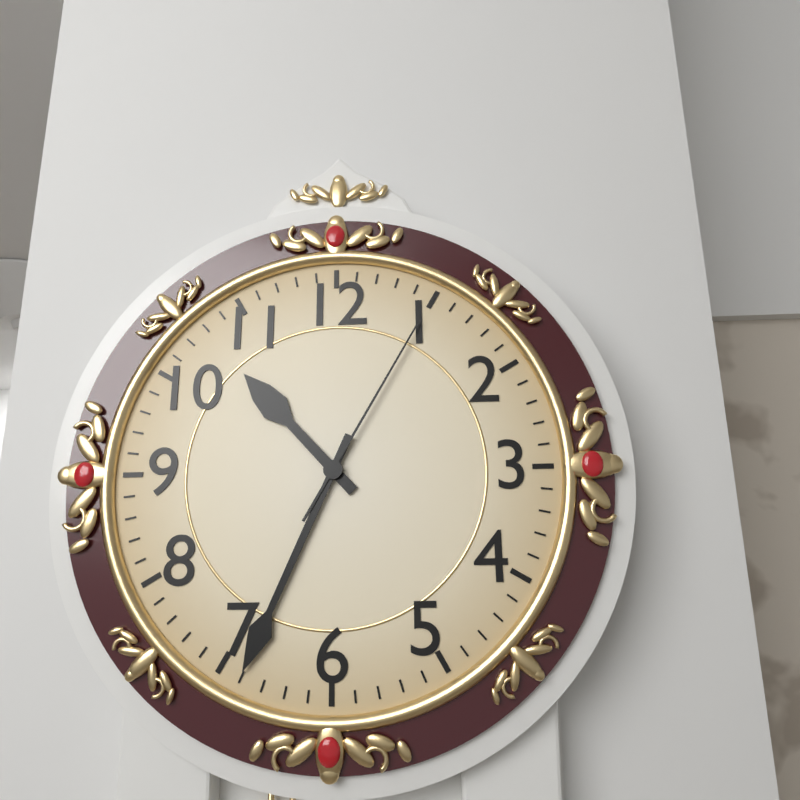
10:34:05
